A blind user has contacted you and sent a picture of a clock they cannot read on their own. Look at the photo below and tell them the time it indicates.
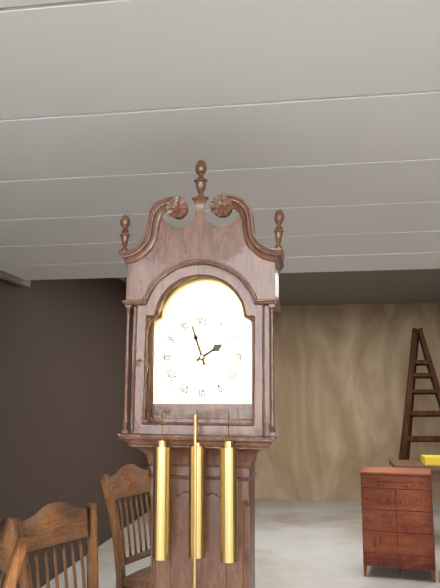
1:57
